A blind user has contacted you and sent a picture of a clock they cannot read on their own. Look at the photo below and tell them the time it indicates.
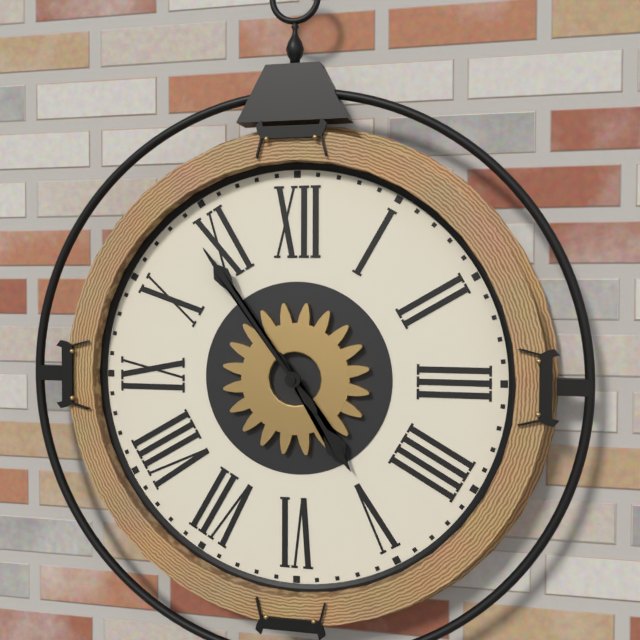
4:54
